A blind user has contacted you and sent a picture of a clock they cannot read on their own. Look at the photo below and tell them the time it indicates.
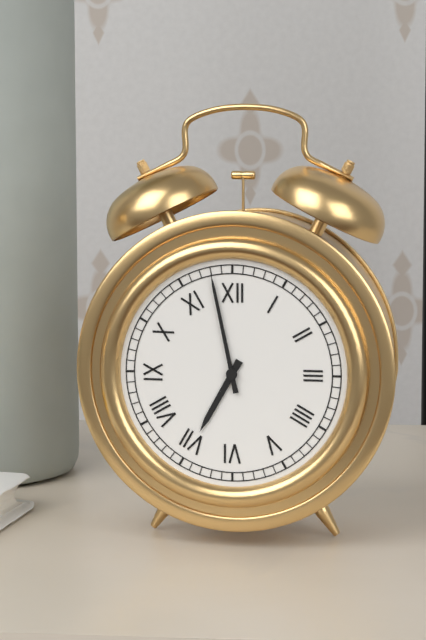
6:58
